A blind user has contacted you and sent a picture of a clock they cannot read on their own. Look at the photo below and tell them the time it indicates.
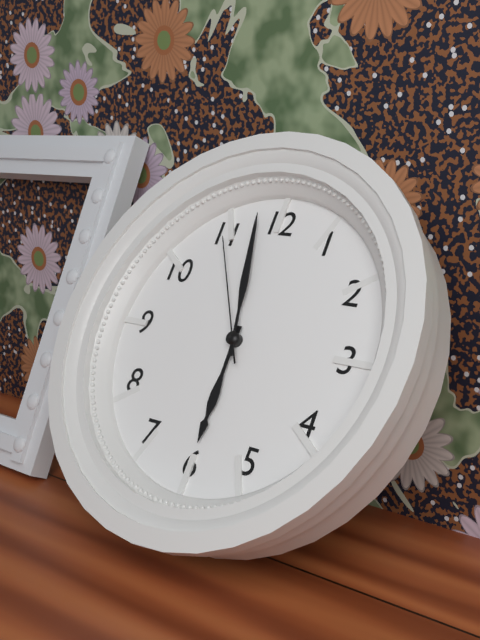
5:58:55
